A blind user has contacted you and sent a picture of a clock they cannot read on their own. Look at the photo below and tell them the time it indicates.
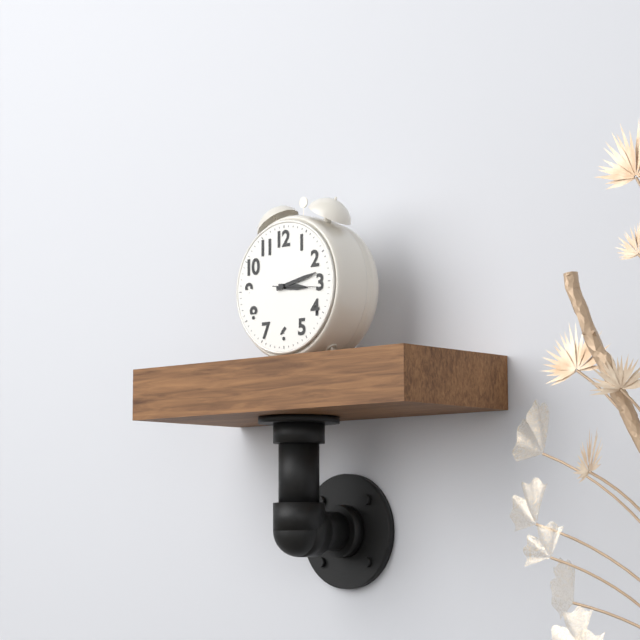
3:13
